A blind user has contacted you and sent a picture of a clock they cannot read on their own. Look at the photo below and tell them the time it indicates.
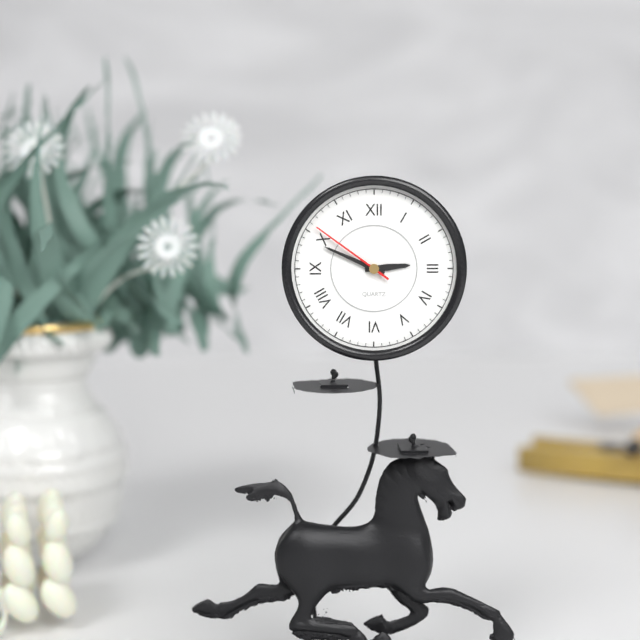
2:49:51
